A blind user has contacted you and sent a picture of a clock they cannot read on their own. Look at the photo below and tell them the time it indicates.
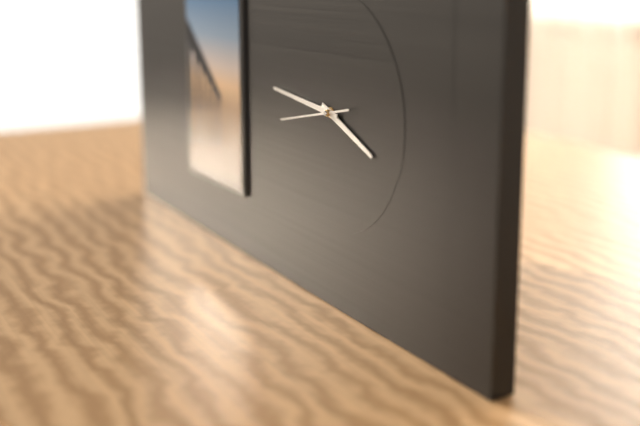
3:46:43
